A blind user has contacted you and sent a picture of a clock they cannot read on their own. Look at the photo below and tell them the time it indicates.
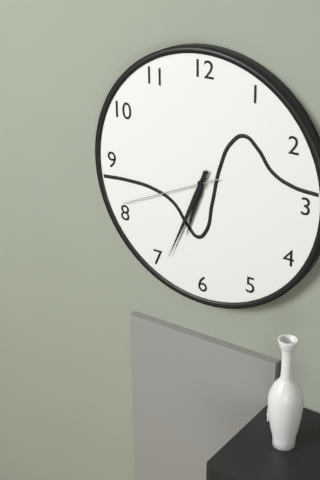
6:34:41
